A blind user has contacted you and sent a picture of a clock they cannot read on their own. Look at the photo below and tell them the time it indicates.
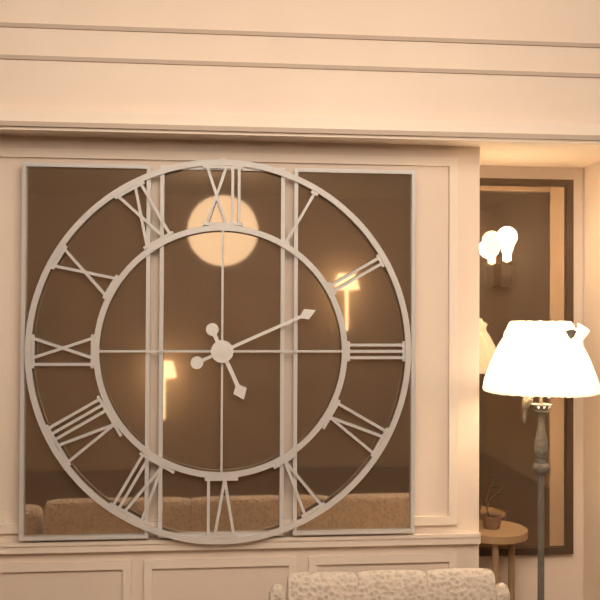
5:11
